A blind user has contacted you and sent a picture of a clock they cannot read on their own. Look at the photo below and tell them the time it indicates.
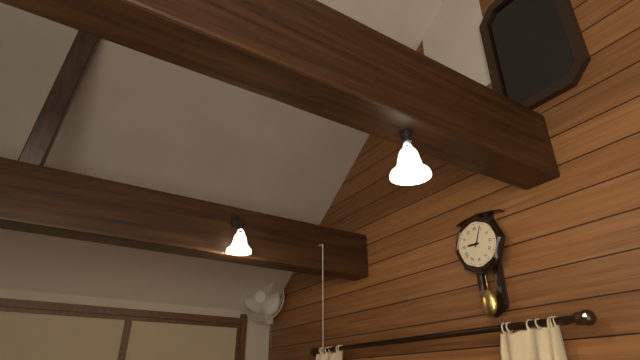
9:04
